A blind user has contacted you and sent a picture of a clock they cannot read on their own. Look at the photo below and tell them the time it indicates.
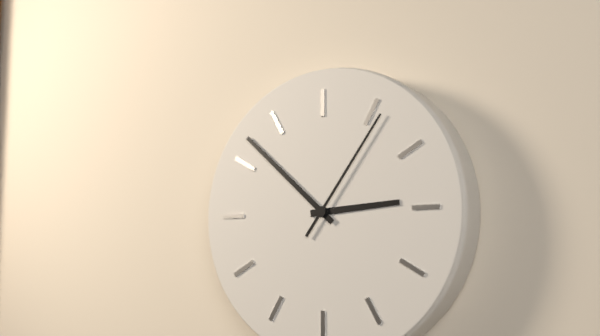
2:52:06
